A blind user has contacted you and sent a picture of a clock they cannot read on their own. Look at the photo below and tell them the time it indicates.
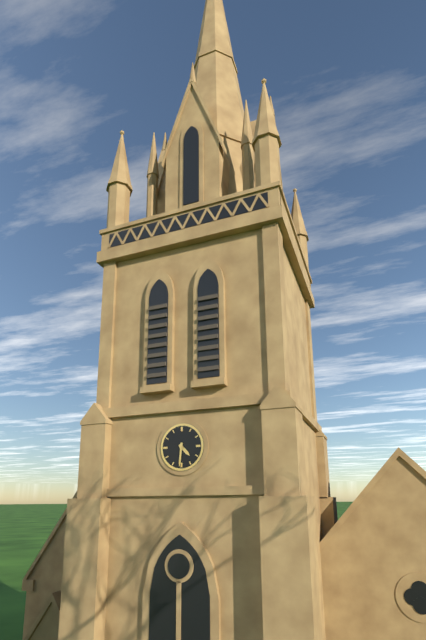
4:31
